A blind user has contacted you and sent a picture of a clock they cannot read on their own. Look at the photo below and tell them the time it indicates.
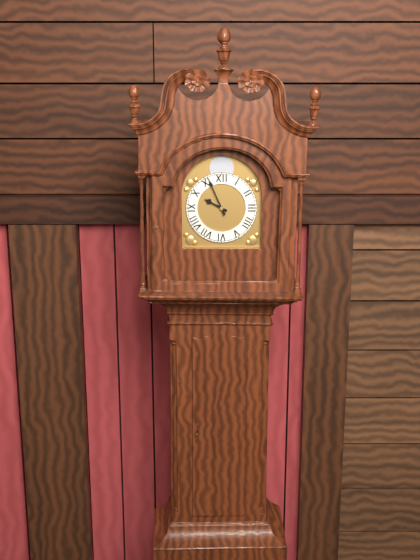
9:56
